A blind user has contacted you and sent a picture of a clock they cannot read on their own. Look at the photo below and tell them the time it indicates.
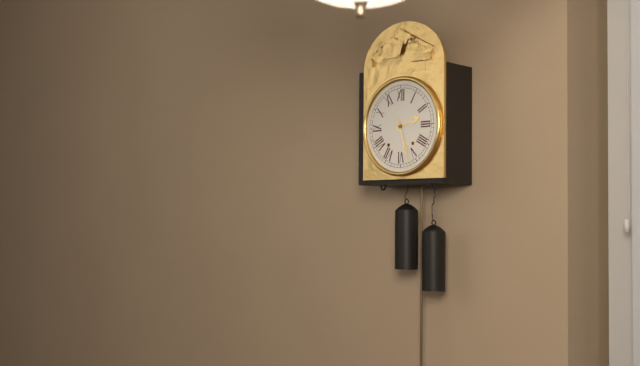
2:27
